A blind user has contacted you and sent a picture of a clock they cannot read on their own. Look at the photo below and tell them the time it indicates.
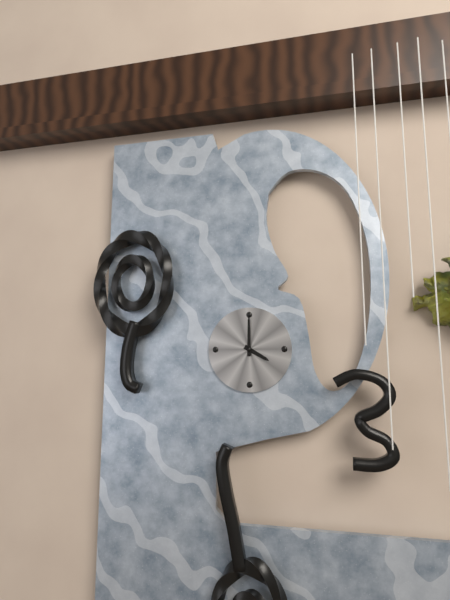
4:00
